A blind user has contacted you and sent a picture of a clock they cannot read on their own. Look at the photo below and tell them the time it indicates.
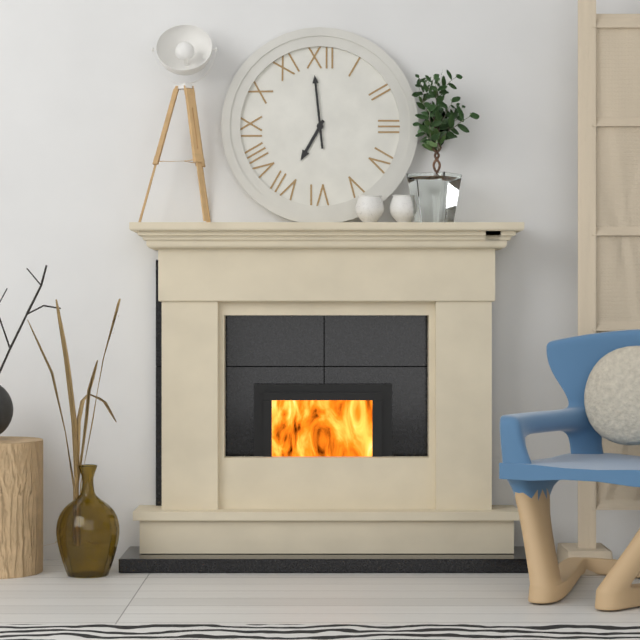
6:59
